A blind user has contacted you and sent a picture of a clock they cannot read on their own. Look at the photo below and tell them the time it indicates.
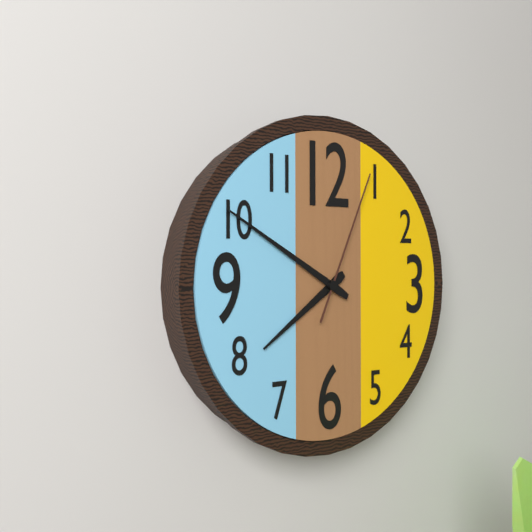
7:50:04
